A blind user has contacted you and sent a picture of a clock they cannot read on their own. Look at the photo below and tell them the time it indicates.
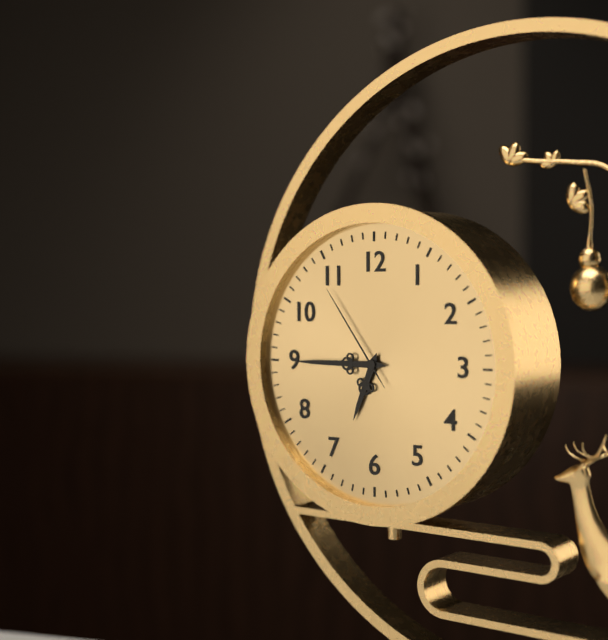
6:45:54
